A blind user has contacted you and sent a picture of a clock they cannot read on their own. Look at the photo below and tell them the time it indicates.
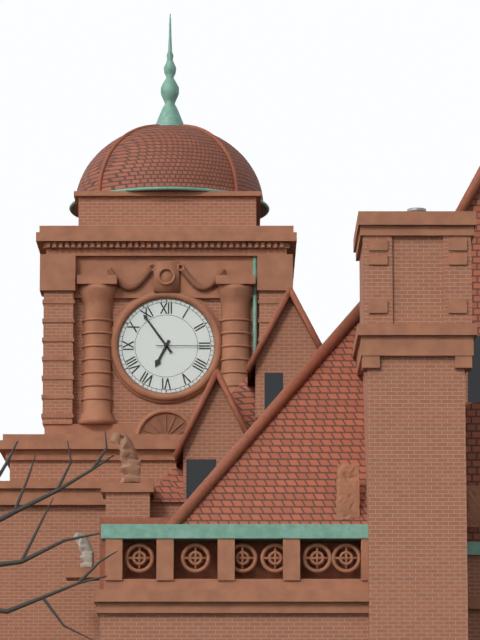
6:54:15
